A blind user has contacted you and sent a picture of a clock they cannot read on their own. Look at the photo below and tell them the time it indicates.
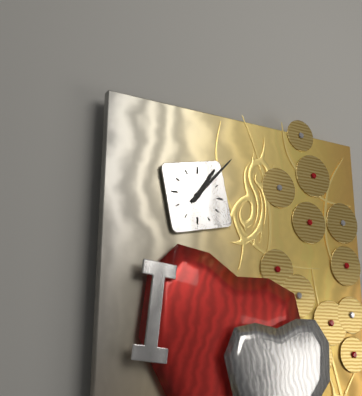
1:07
